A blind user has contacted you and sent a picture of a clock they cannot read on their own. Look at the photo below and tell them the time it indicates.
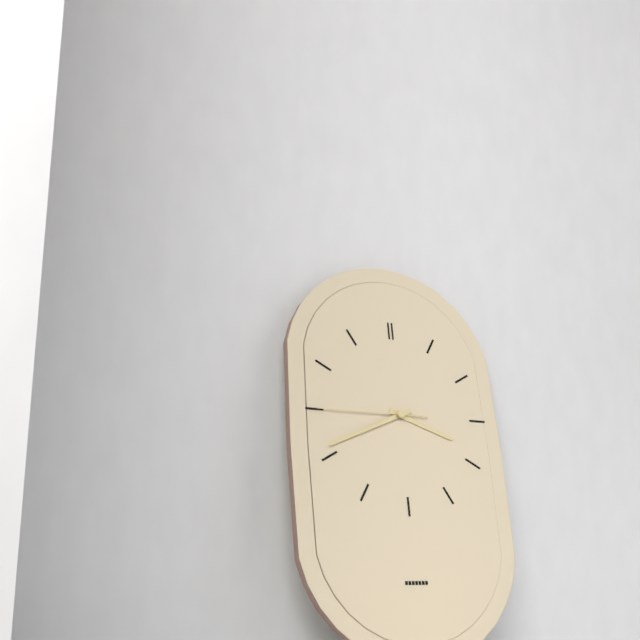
3:41:45
